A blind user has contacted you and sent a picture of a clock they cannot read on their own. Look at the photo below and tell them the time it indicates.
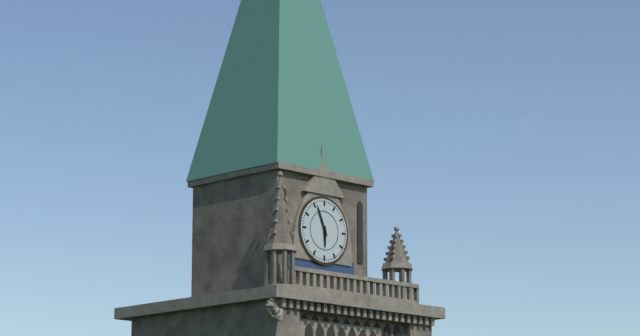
5:56
